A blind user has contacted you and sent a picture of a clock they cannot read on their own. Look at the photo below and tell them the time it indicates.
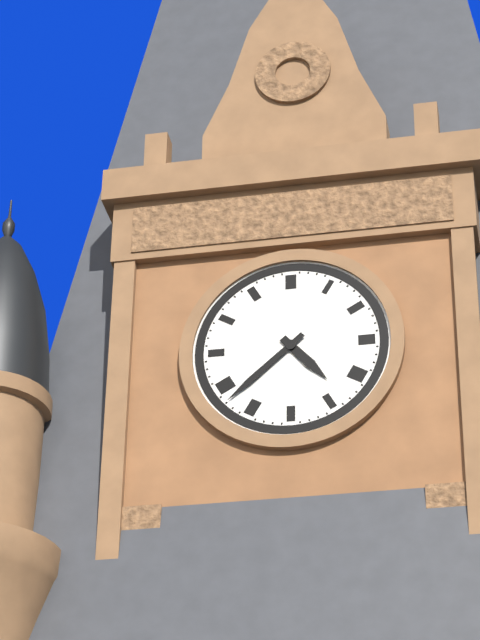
4:38
